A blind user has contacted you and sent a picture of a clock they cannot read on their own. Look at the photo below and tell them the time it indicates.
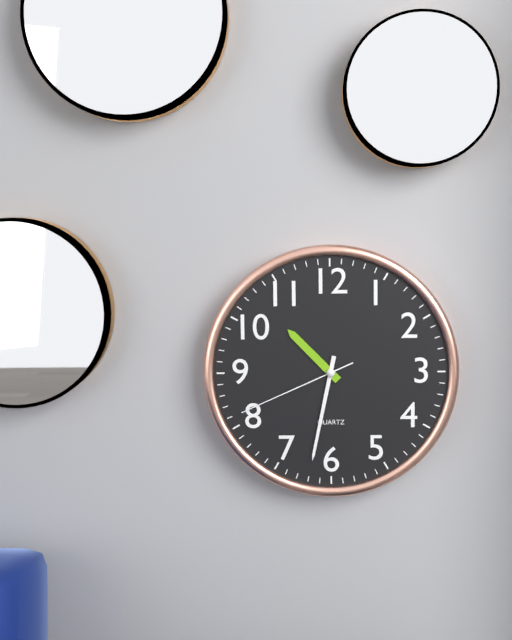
10:32:41
